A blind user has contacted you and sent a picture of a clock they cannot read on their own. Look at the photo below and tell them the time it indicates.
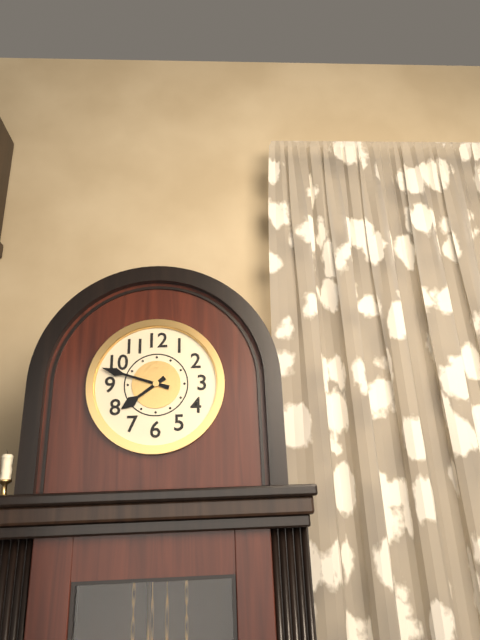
7:48
